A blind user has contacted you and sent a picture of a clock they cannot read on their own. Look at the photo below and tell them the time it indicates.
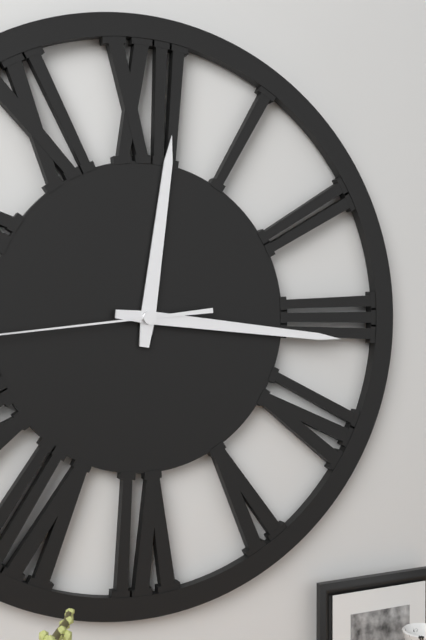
12:16
